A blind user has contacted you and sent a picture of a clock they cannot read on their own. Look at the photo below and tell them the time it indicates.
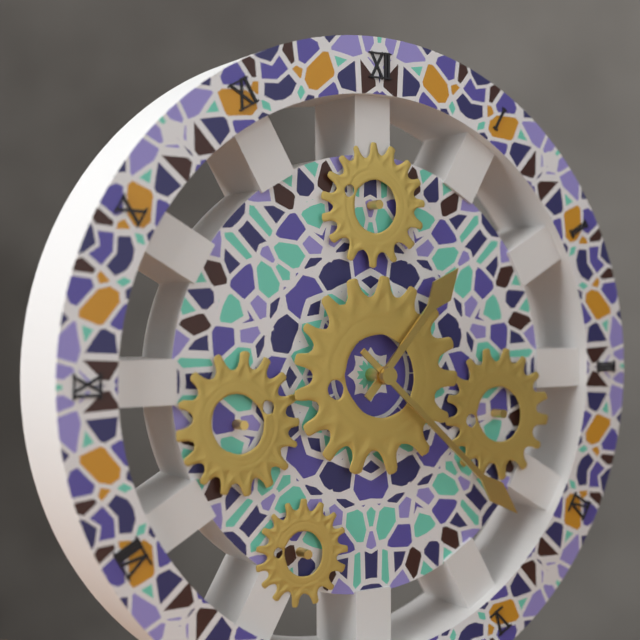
1:22
